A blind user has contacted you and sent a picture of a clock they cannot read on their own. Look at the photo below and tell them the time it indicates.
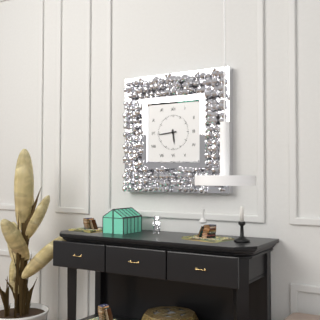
5:44
